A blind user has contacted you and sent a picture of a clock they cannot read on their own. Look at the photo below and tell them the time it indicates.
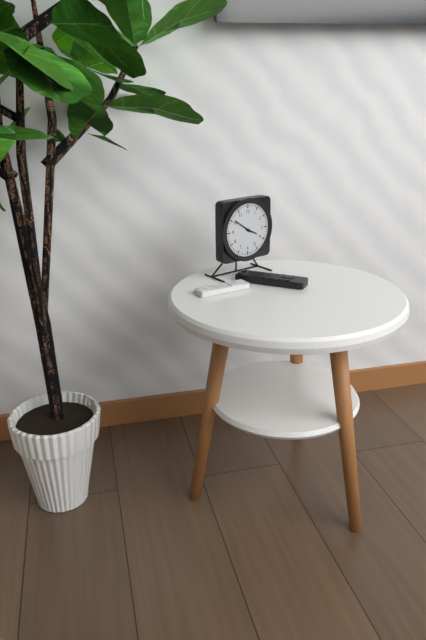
3:51
